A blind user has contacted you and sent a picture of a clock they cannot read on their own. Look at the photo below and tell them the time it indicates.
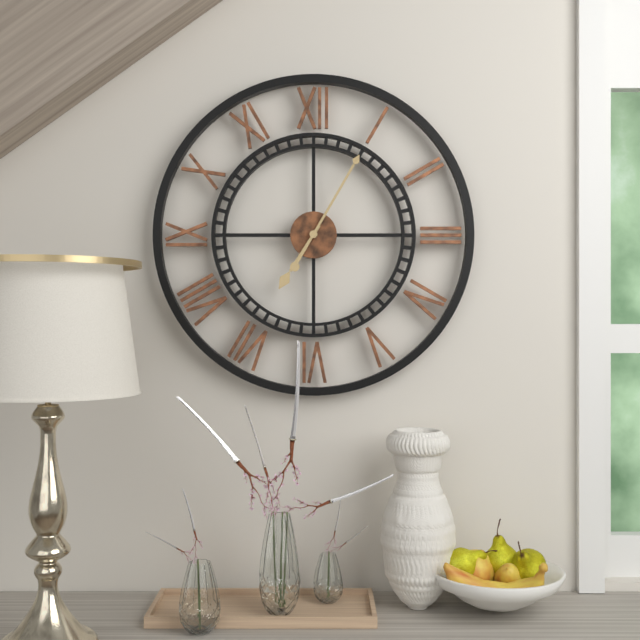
7:05
